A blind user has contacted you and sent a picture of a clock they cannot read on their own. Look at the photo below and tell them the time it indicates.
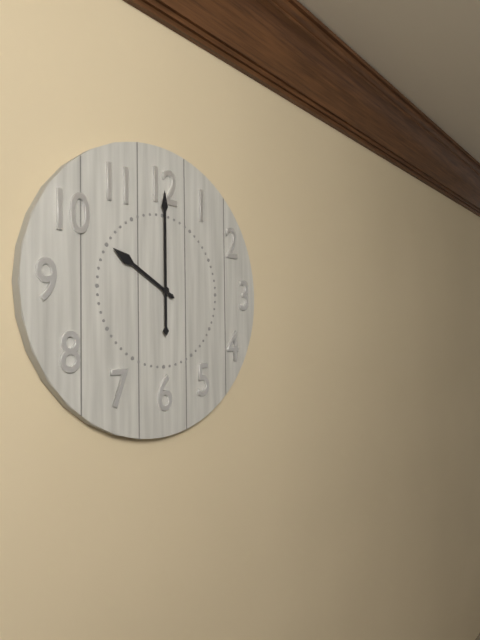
10:00
